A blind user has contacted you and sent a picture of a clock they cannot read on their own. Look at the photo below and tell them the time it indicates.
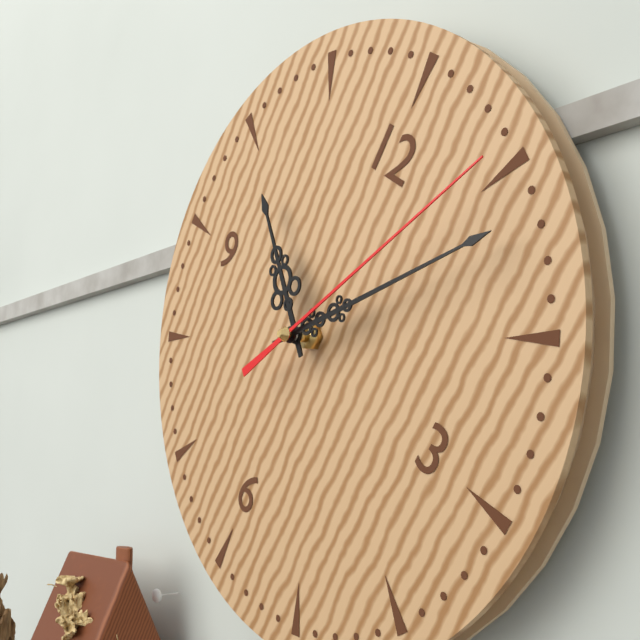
10:07:05
